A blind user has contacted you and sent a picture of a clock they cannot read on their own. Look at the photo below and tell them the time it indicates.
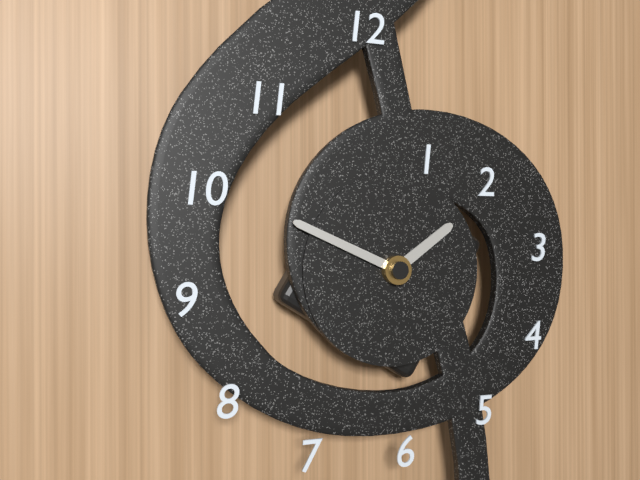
1:49
